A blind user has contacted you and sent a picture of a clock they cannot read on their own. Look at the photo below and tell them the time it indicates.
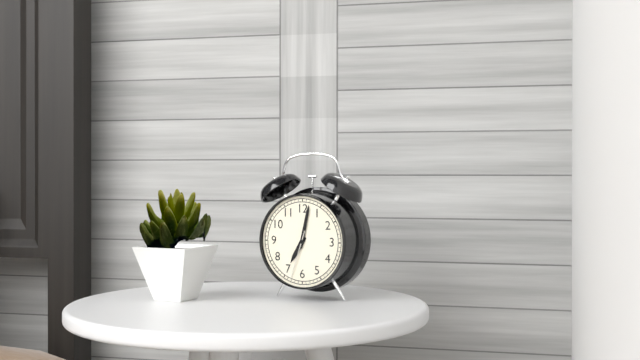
7:02
